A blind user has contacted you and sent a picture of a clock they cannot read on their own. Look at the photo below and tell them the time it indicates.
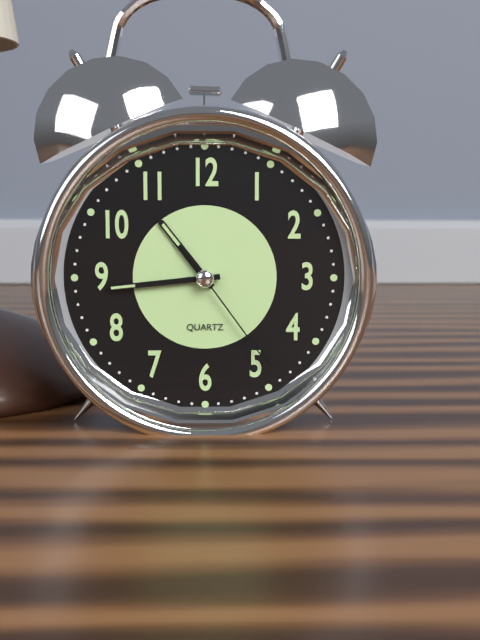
10:44:24
